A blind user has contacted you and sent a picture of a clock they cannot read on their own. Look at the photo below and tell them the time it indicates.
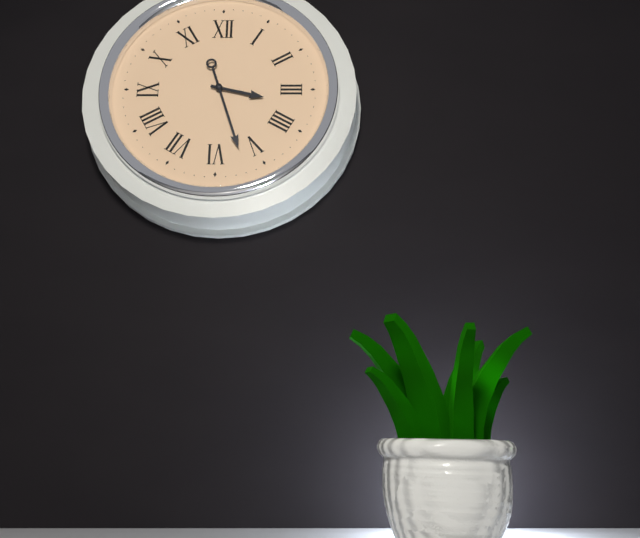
3:27
